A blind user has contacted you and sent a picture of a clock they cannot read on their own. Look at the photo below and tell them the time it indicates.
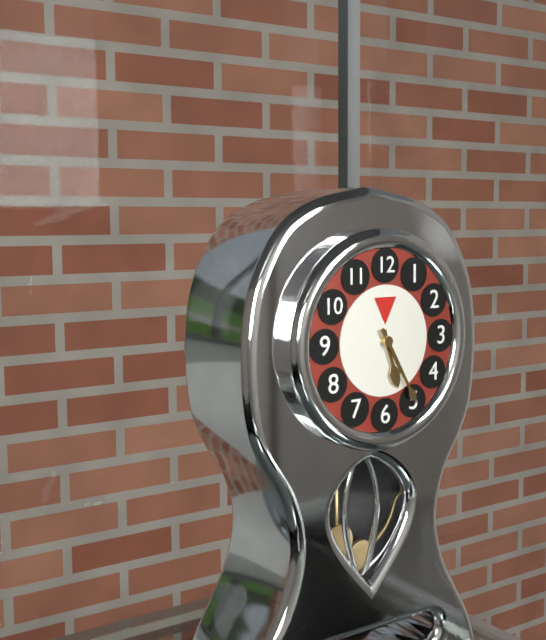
5:25
